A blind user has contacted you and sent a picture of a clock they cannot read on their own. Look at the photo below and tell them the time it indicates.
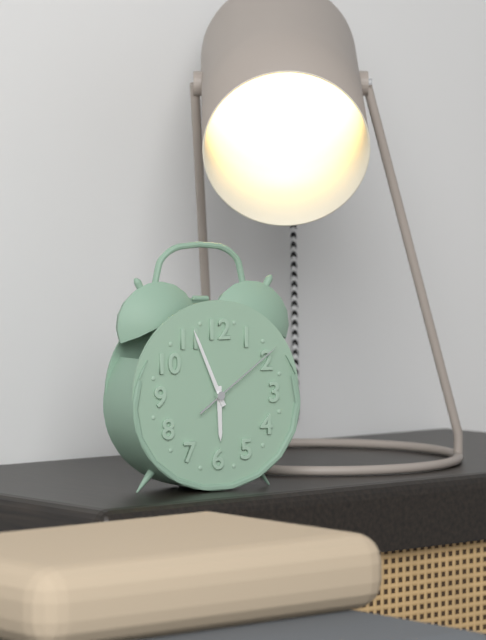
5:56:09
